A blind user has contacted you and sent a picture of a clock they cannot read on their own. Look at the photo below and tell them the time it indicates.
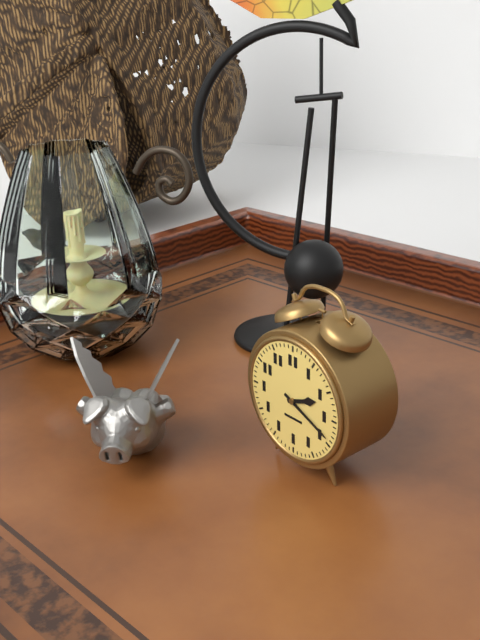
2:19
